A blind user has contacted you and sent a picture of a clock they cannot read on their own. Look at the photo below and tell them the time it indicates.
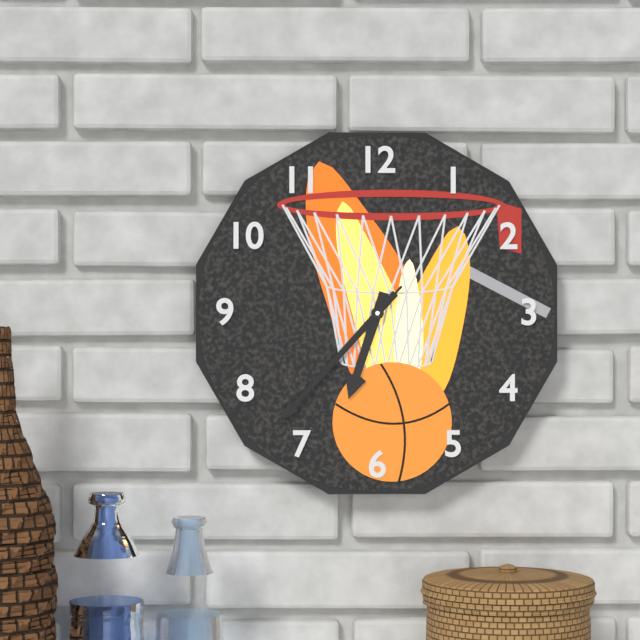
6:37:37
